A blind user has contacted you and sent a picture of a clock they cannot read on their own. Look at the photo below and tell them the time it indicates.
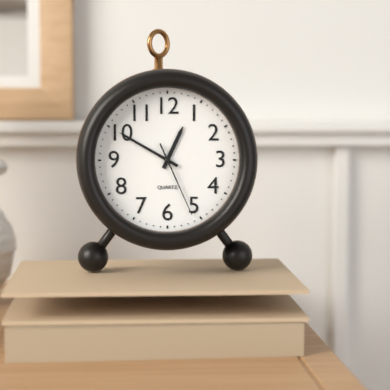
12:50:26
